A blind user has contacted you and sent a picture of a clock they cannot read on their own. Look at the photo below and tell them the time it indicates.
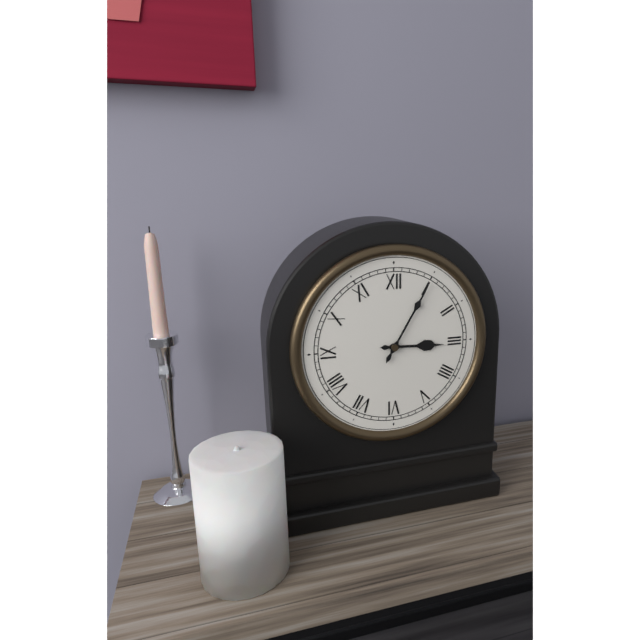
3:05
